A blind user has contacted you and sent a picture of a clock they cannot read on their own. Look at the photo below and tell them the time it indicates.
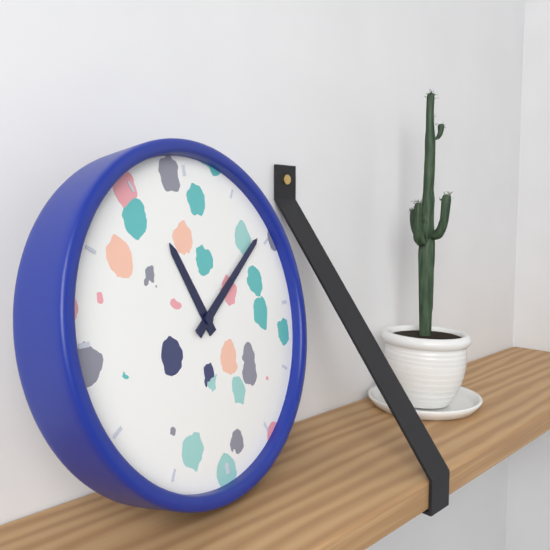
11:09
